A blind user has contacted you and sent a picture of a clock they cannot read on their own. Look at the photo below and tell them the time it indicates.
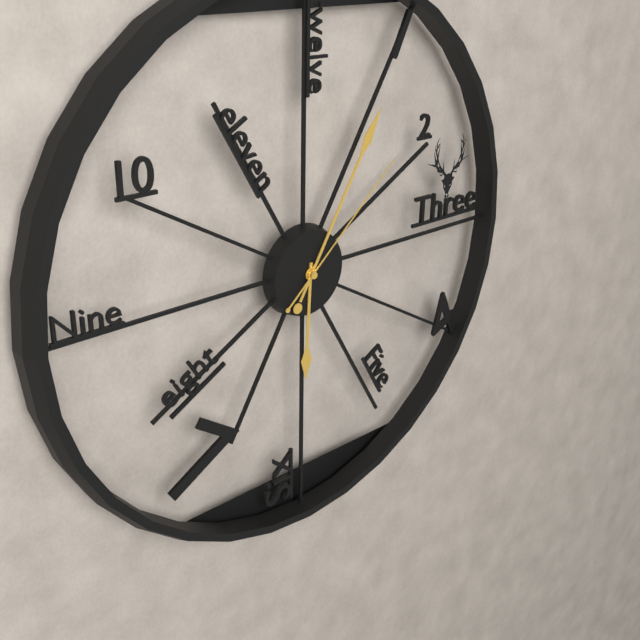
6:05:08
